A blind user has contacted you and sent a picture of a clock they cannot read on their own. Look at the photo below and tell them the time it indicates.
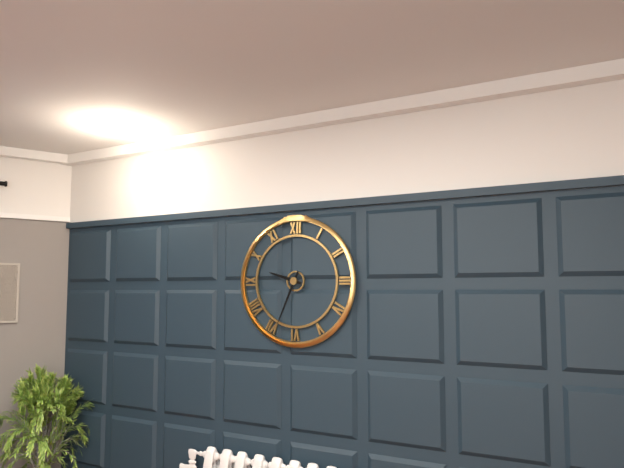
9:34
